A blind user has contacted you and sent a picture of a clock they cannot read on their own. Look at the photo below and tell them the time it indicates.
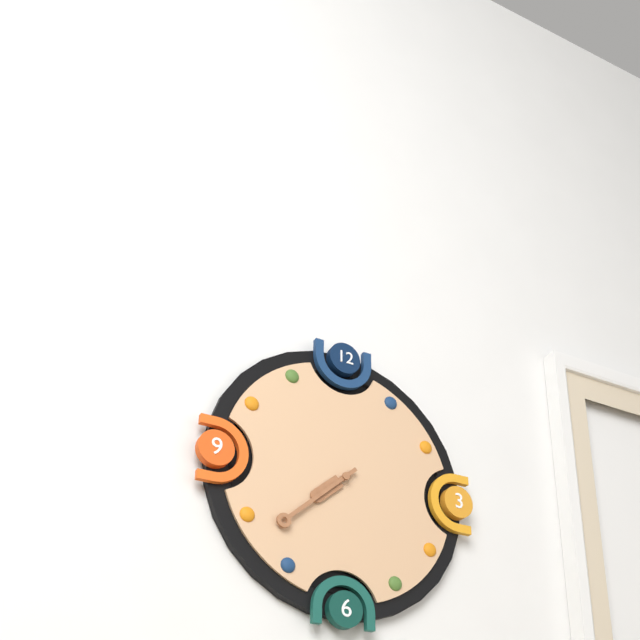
7:38
